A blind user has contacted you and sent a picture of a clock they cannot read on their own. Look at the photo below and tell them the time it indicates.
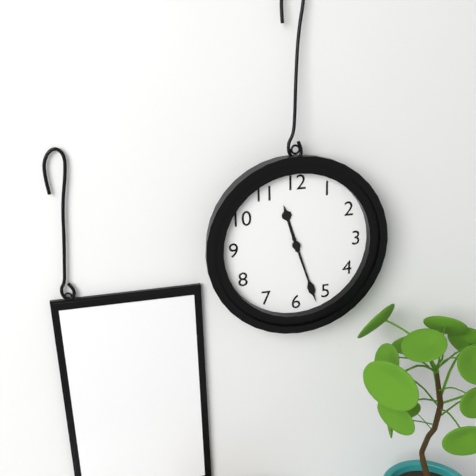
11:27
